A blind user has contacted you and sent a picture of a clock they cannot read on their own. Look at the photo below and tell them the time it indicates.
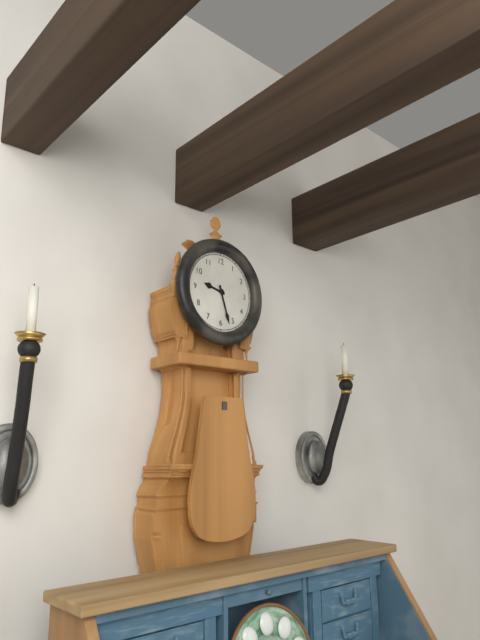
9:27
